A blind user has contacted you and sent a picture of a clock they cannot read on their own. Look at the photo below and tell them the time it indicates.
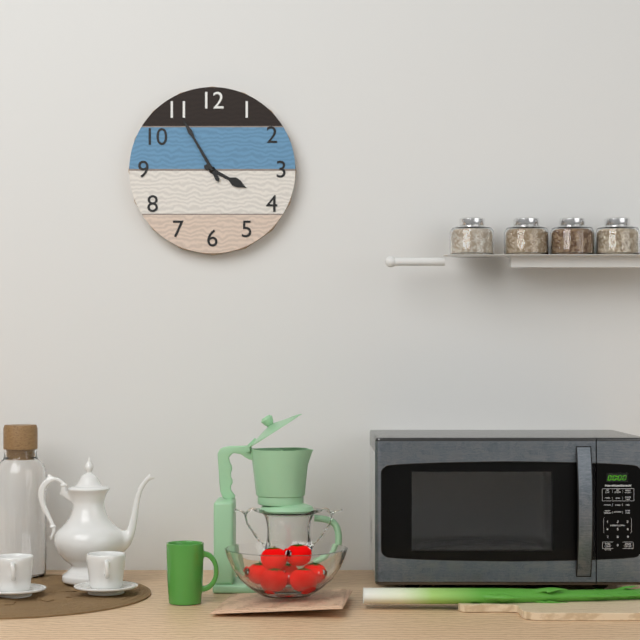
3:55
